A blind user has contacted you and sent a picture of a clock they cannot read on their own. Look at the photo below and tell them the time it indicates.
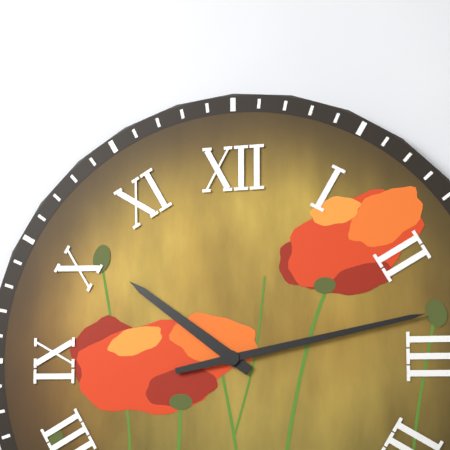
10:13
